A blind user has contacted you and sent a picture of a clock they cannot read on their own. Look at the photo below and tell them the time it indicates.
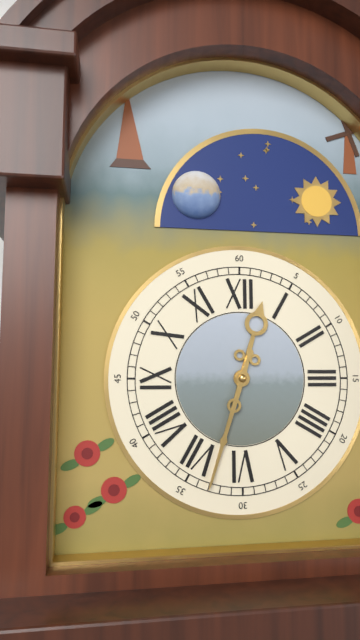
12:33
